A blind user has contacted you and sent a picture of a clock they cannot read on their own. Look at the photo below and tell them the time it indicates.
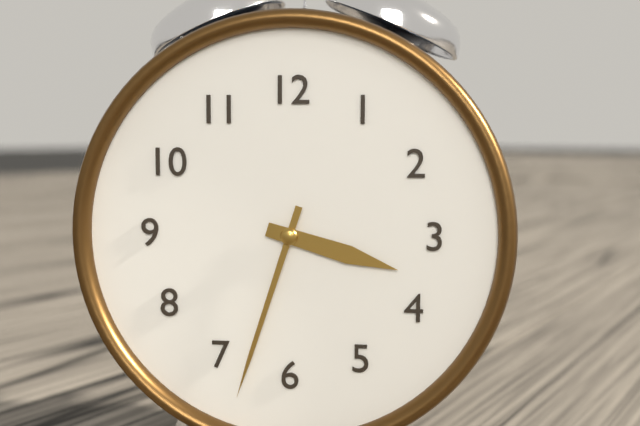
3:33
